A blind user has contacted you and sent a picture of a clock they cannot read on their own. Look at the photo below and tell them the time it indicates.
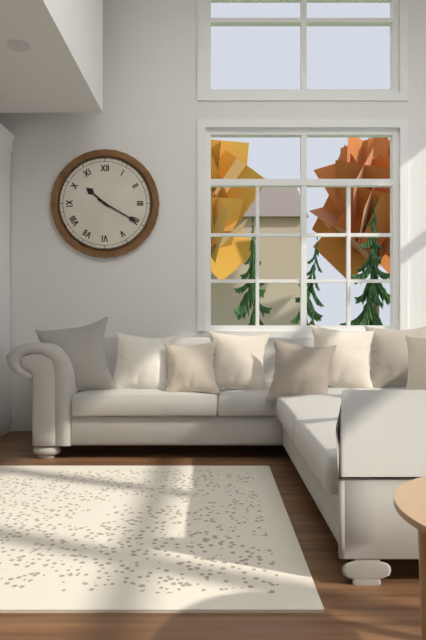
10:20
